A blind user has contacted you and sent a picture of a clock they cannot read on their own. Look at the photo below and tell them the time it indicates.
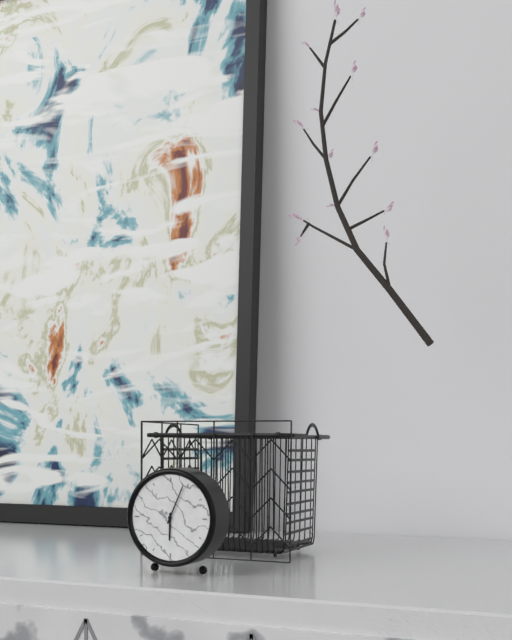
6:04
